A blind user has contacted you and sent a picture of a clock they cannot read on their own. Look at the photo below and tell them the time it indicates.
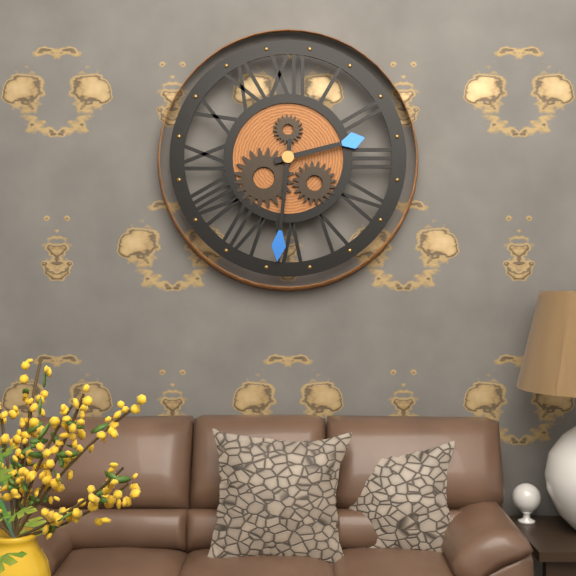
2:31
